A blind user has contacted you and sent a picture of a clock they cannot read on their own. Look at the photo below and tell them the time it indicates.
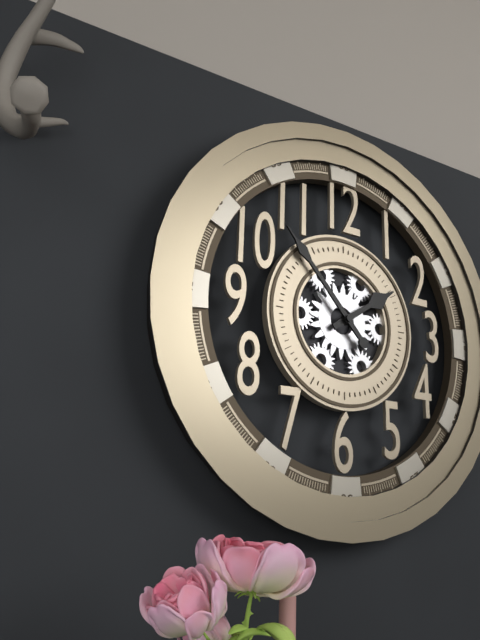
1:53
